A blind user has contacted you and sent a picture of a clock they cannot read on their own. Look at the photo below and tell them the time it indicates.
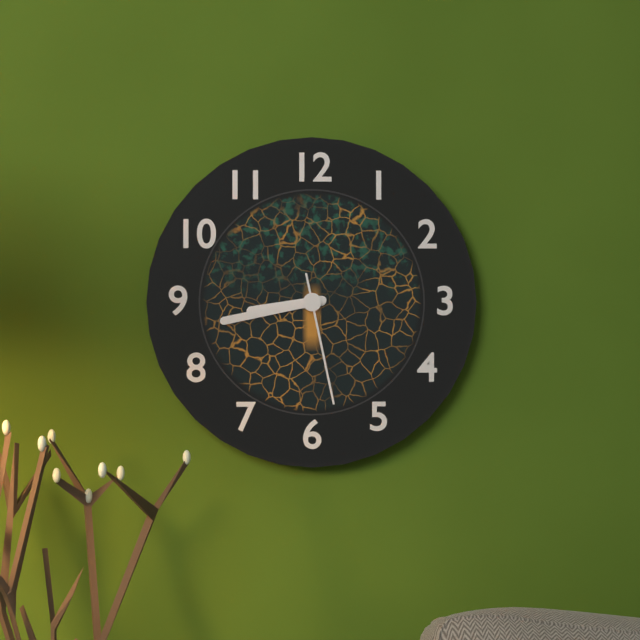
8:43:28
